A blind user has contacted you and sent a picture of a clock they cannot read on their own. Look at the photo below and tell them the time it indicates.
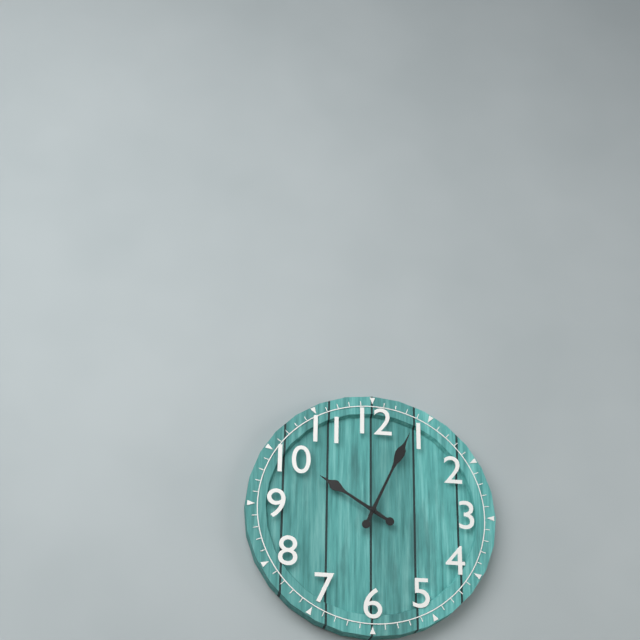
10:04
